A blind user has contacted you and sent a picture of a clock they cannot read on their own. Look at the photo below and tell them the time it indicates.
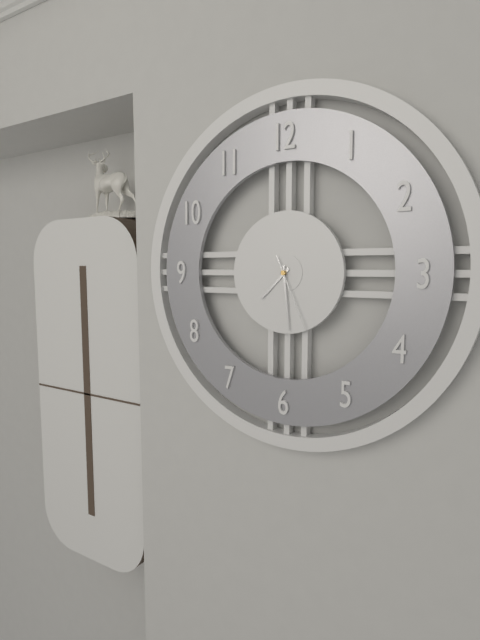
7:29:26
